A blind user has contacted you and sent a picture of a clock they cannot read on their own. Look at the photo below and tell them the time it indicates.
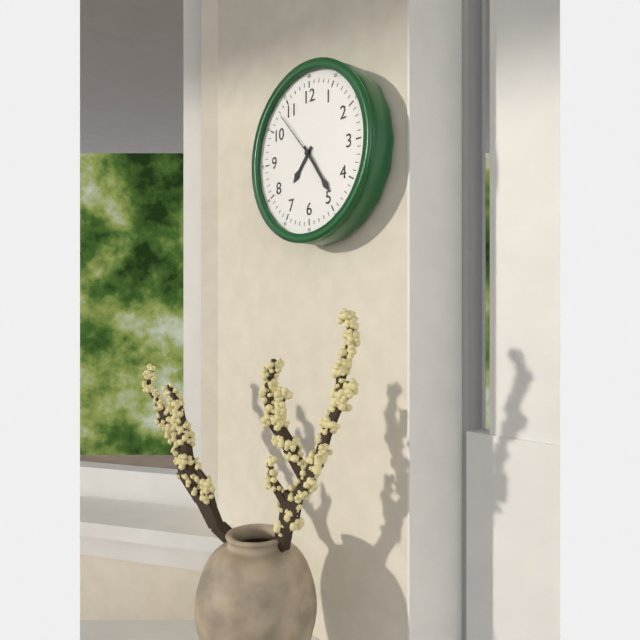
7:24:53
